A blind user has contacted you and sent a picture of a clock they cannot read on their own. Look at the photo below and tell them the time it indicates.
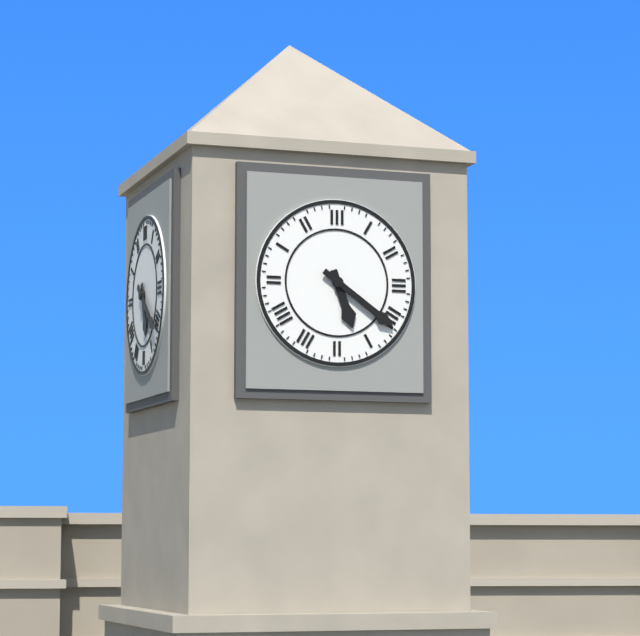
5:21
